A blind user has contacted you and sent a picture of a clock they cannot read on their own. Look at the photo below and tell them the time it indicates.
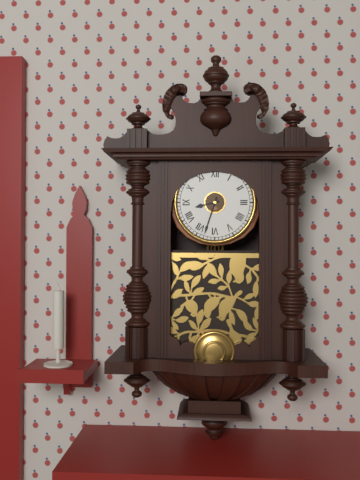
8:33
